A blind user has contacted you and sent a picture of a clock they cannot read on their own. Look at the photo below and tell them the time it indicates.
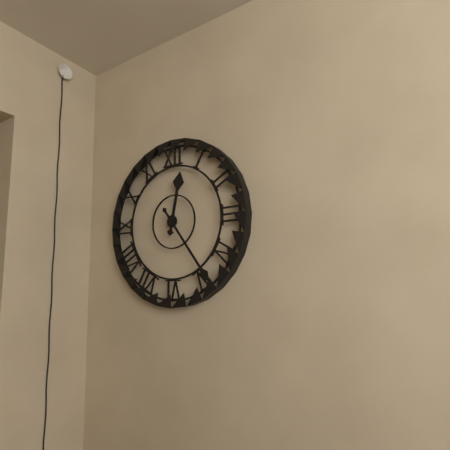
12:24
